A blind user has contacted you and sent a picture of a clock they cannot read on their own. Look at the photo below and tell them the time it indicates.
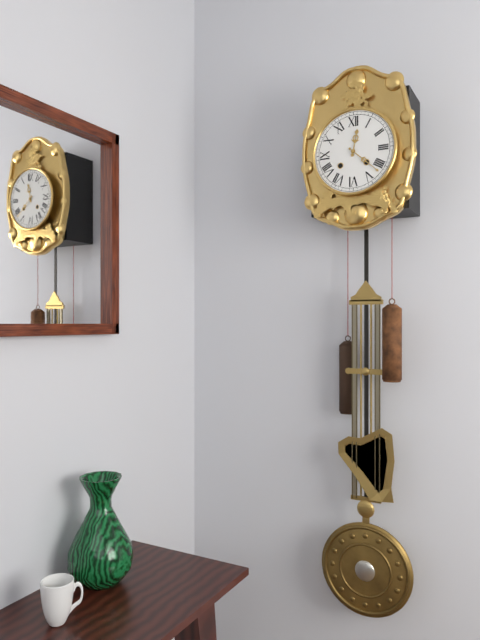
12:22
